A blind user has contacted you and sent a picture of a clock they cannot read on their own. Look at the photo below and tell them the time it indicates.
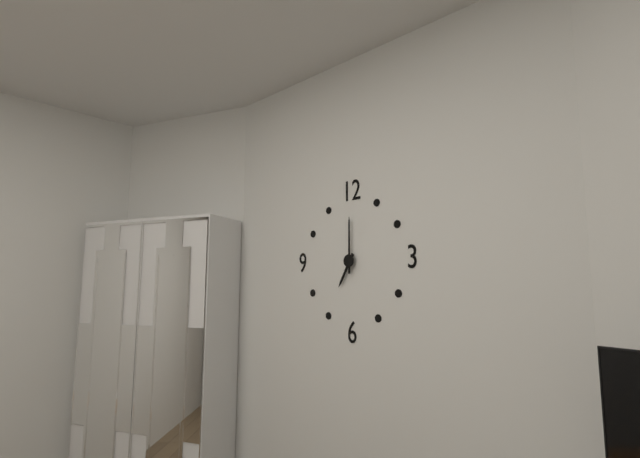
7:00
